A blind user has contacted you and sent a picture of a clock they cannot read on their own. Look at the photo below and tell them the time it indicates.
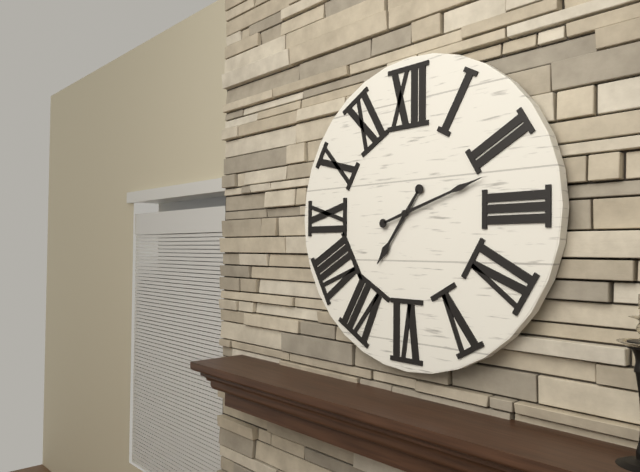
7:12
